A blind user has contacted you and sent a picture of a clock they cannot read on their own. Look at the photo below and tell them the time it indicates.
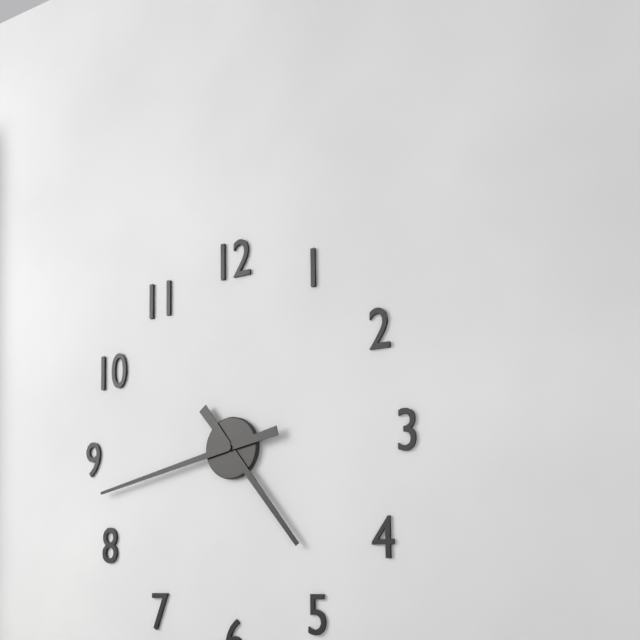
4:43
